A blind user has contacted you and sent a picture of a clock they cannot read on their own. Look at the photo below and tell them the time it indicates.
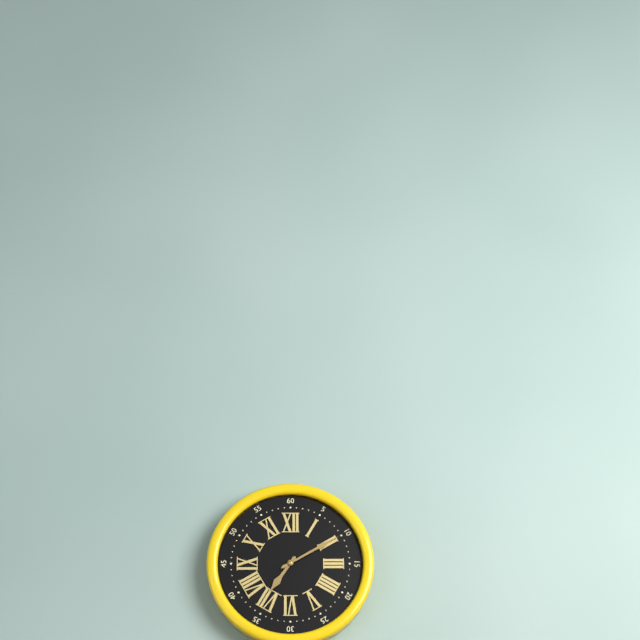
7:10
